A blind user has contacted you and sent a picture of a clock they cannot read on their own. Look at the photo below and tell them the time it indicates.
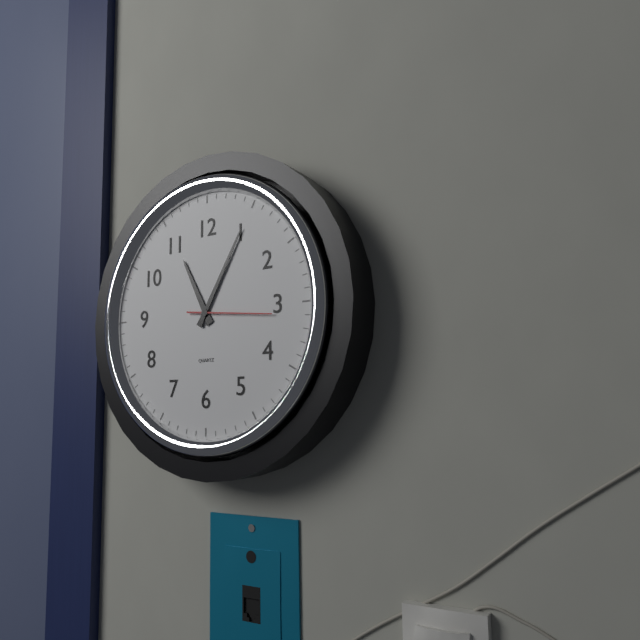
11:05
